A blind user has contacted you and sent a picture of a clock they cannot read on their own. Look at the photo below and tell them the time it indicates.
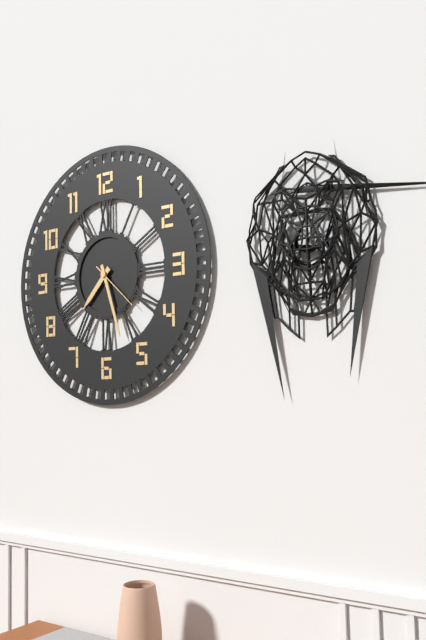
7:27
